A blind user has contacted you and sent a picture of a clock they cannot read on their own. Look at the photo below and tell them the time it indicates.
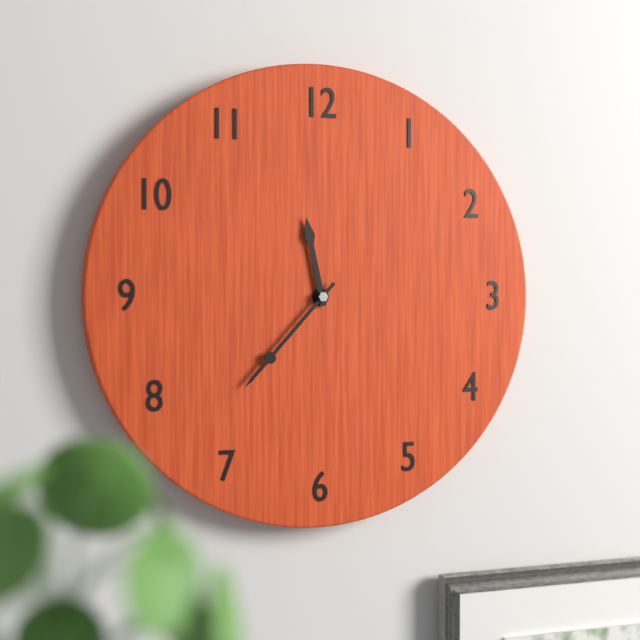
11:37
